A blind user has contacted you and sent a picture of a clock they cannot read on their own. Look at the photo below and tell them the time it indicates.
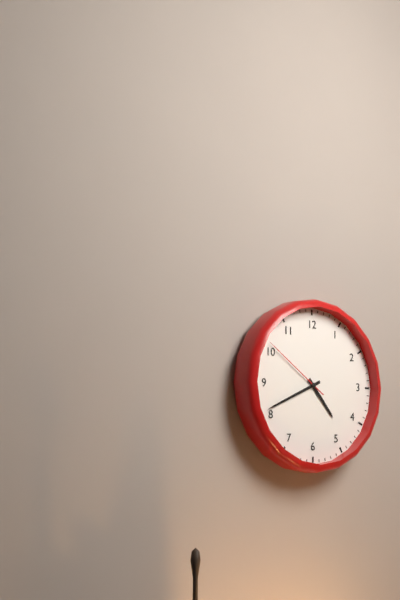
4:41:51
